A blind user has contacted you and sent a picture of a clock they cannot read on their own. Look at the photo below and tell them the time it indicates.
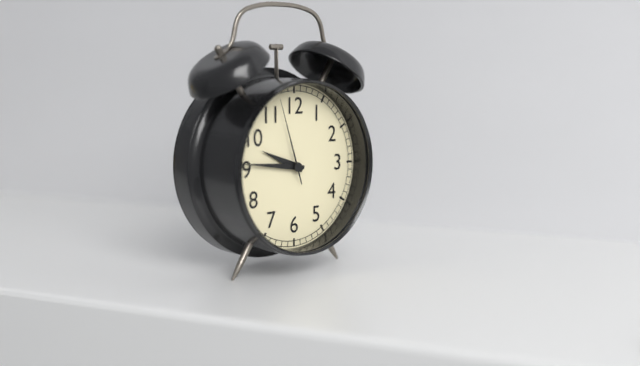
9:46:57
